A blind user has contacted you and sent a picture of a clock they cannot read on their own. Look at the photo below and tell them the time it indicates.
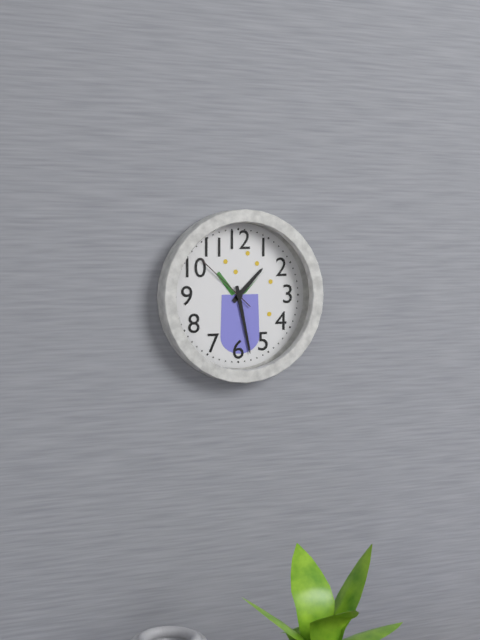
1:28:52
